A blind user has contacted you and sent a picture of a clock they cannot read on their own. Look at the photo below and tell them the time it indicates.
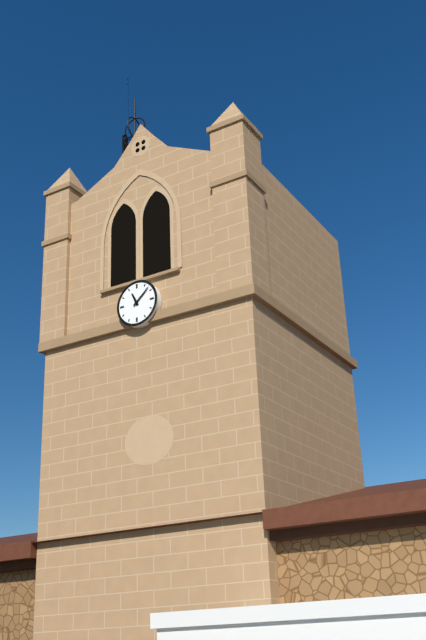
11:08
